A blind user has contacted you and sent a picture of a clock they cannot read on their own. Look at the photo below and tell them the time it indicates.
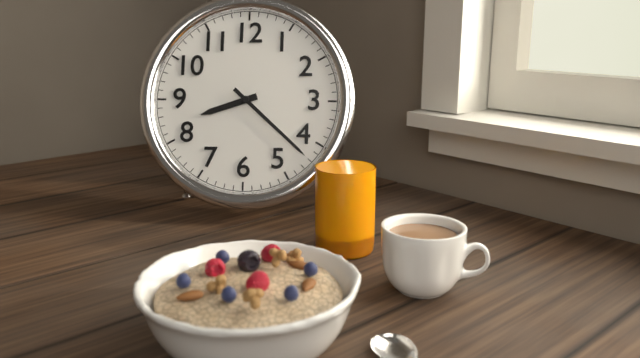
8:22
